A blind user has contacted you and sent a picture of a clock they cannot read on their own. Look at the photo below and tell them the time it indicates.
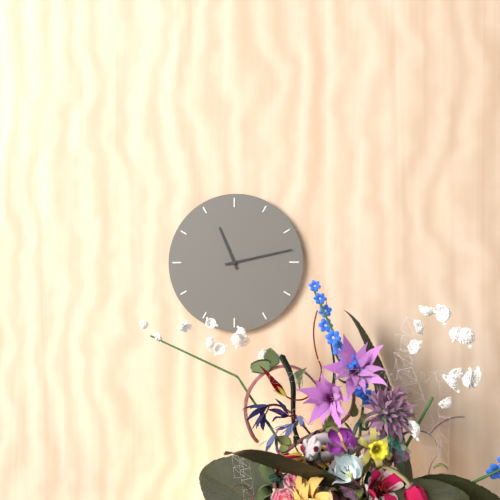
11:13
